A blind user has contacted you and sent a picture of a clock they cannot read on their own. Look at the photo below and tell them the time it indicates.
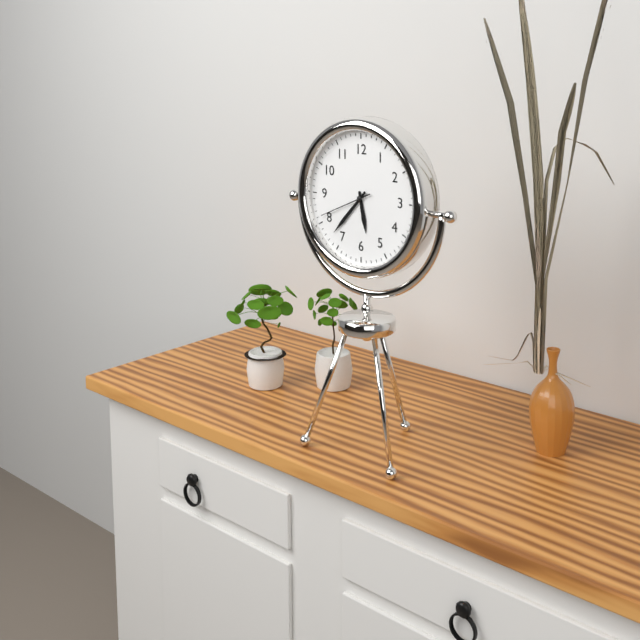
5:37:41
